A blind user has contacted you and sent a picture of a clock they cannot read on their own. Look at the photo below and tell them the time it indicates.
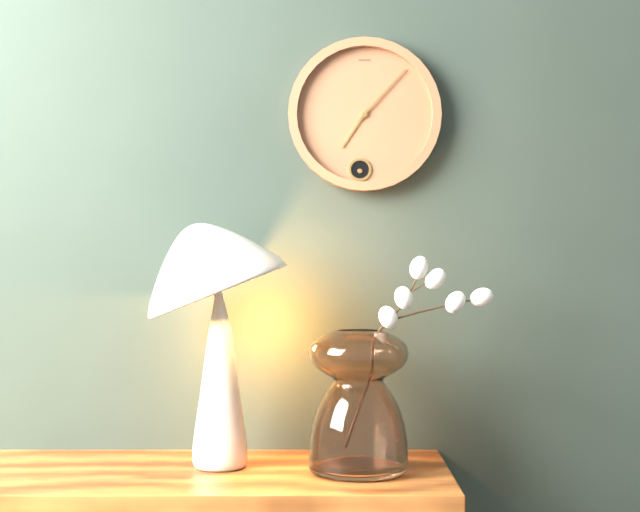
7:07
